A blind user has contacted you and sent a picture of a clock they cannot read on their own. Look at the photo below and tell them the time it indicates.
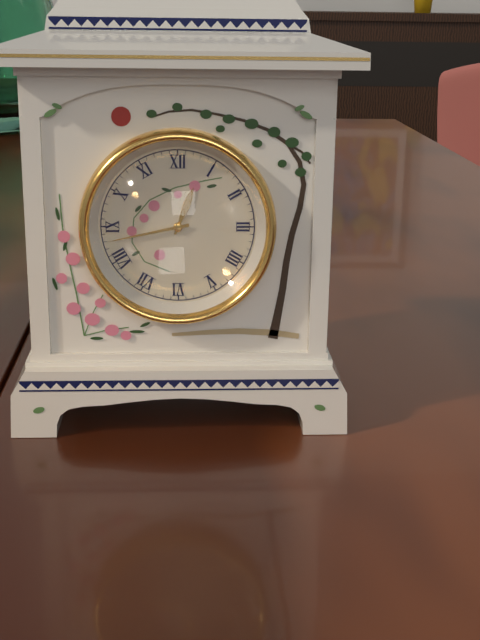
12:43
